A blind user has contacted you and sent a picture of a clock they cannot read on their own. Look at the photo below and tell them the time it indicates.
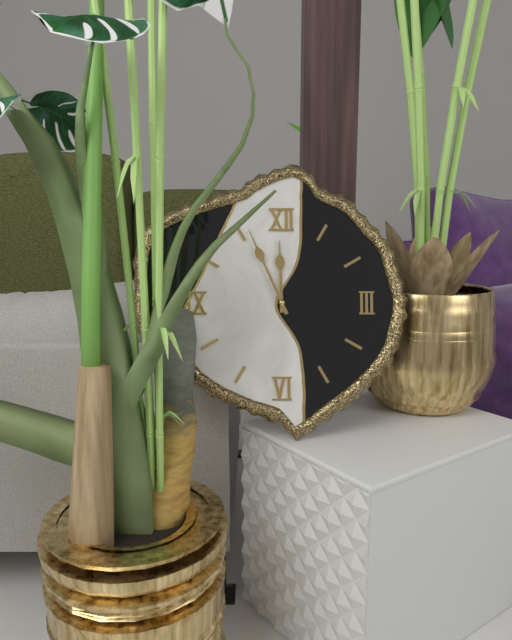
11:56
